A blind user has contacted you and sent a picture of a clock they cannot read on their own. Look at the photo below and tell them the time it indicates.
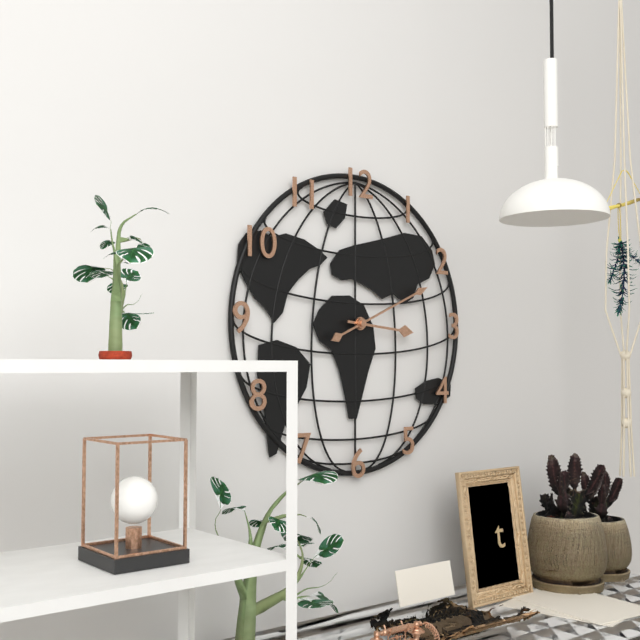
3:11
